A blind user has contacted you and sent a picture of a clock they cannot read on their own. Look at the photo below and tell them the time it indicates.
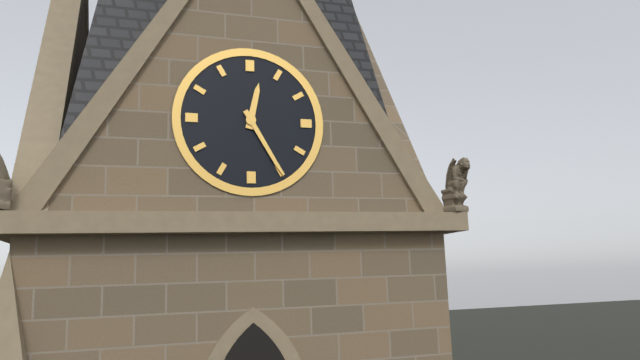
12:25
